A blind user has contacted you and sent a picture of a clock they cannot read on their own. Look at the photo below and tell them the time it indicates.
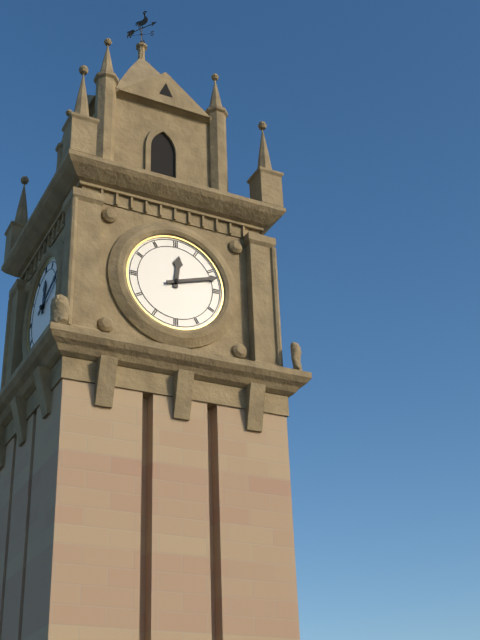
12:12
